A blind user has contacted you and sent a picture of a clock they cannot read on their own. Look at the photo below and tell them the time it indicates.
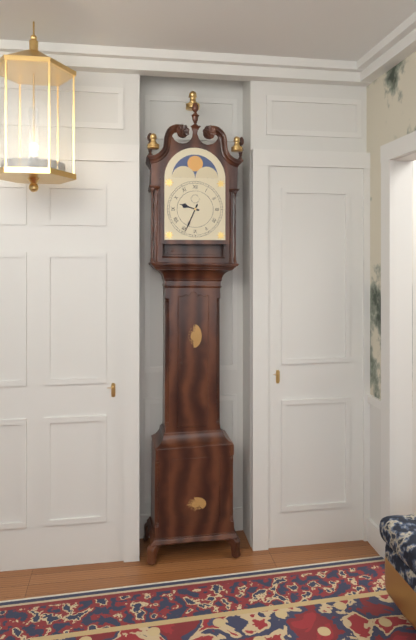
9:34
